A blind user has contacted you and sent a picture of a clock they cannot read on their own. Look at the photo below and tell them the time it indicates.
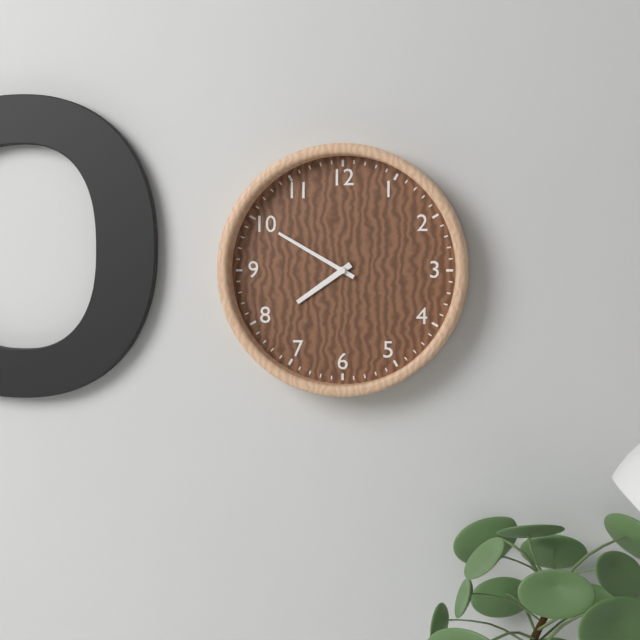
7:50
